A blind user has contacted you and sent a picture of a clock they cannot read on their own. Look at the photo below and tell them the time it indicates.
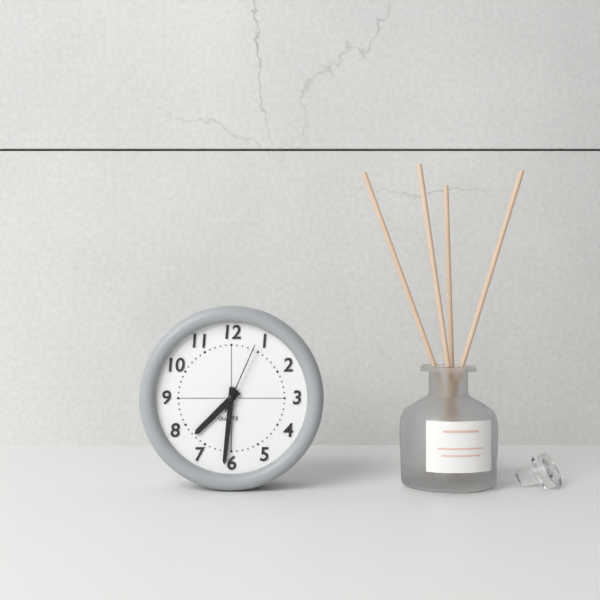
7:31:04
